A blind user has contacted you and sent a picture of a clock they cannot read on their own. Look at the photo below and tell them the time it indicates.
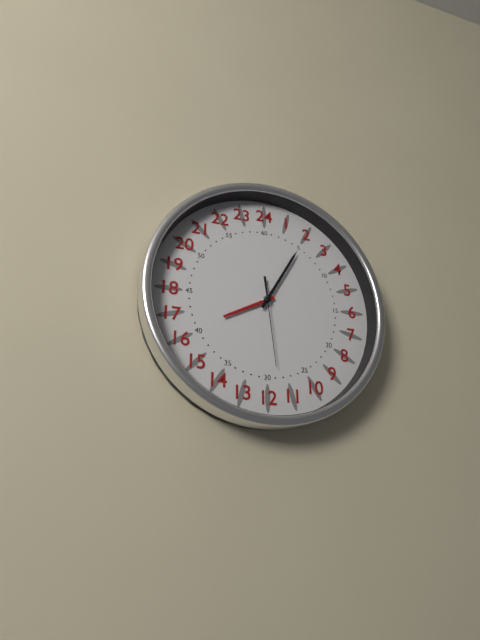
8:05:29
